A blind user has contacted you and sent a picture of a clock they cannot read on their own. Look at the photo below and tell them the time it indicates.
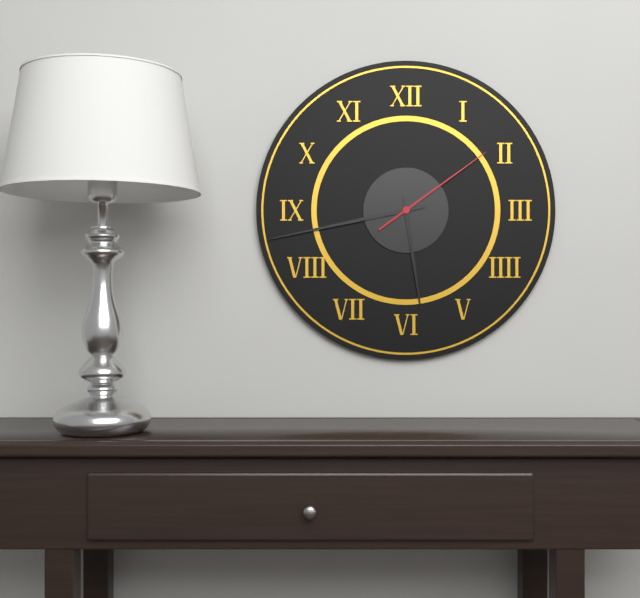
5:43:09
